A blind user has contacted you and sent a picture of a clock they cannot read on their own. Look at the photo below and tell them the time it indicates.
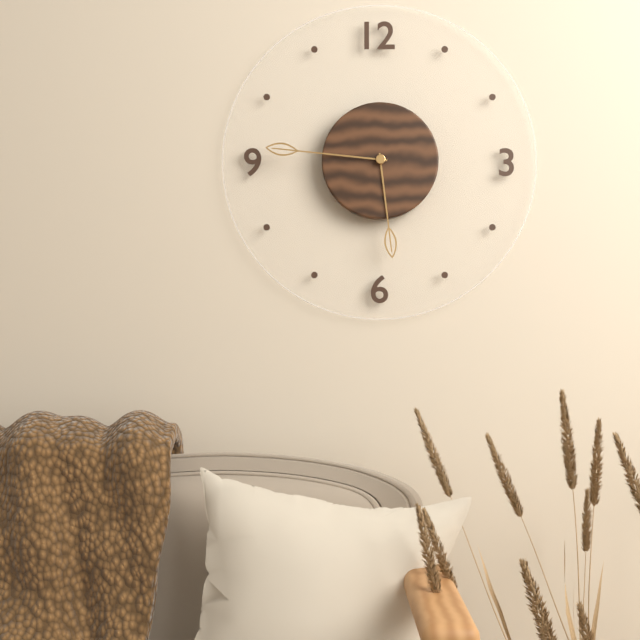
5:46
